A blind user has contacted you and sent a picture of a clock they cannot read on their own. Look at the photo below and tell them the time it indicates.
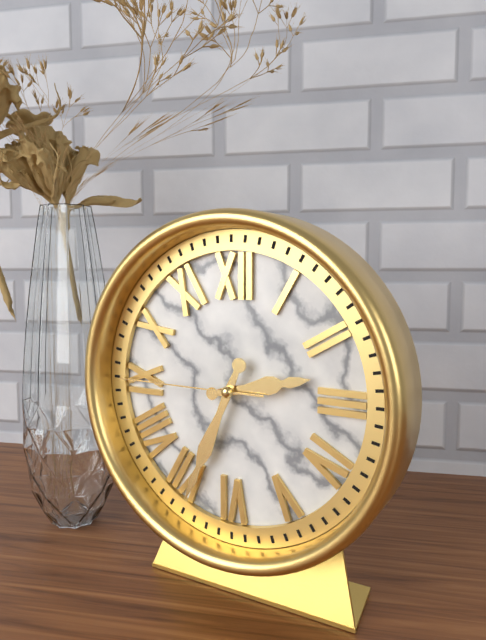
2:34:45
